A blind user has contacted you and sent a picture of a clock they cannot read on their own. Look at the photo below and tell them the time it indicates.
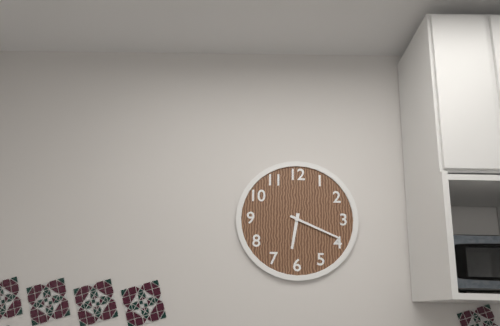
6:19
